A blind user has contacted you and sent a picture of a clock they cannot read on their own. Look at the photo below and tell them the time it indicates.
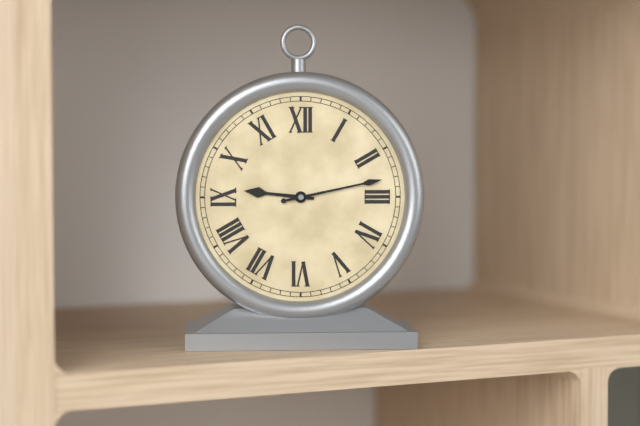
9:13
